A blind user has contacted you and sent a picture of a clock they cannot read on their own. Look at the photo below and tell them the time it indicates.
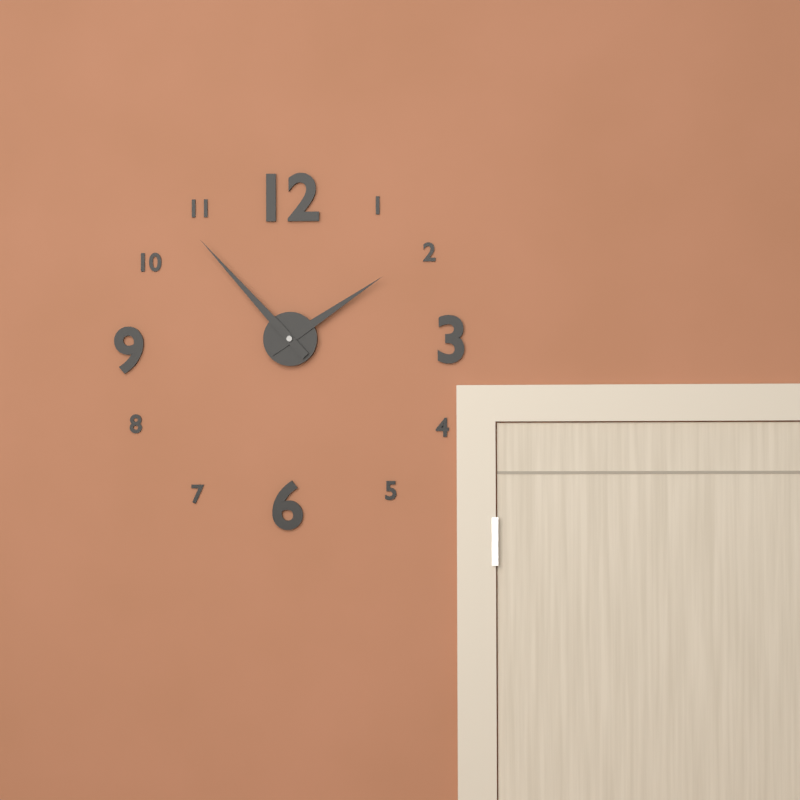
1:53
